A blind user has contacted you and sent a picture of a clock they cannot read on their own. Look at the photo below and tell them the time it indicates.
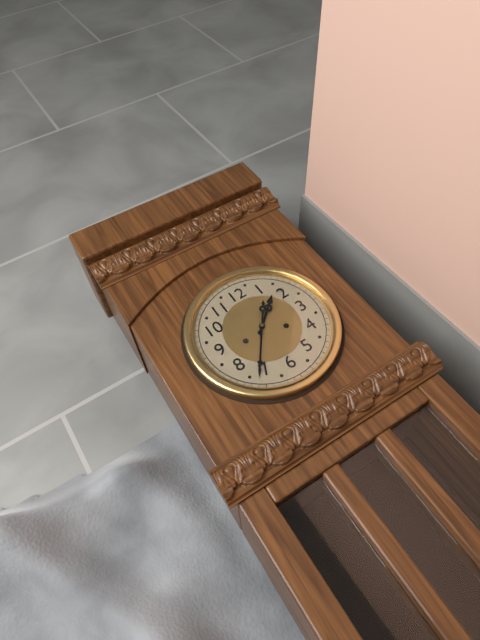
1:36
